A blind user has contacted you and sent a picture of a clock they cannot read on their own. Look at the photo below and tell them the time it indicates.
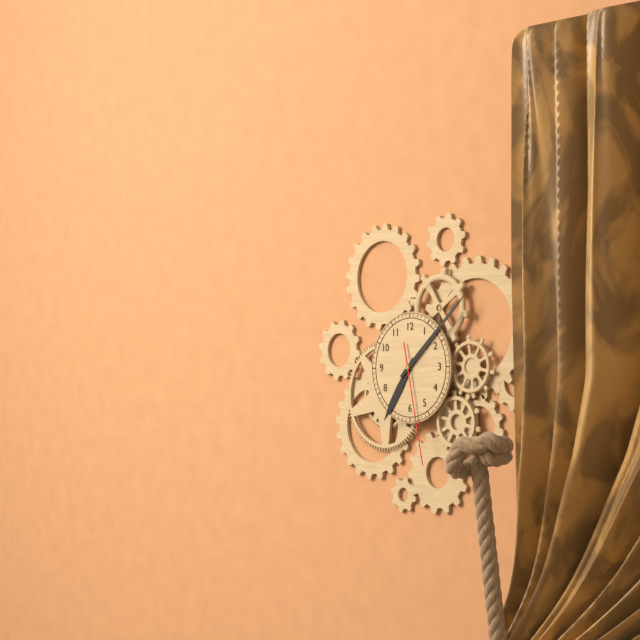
7:08:28
